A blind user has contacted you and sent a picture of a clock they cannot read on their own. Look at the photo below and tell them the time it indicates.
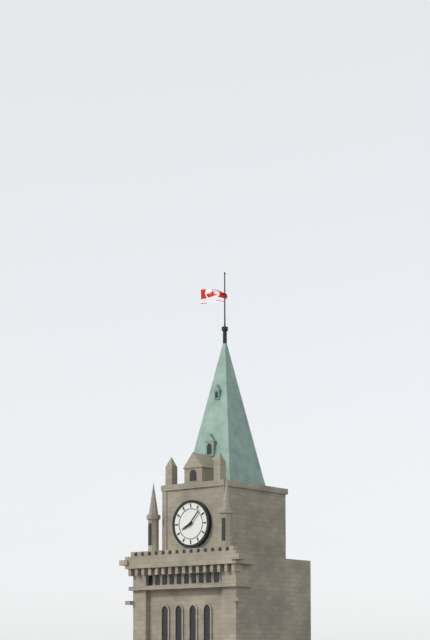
8:07
